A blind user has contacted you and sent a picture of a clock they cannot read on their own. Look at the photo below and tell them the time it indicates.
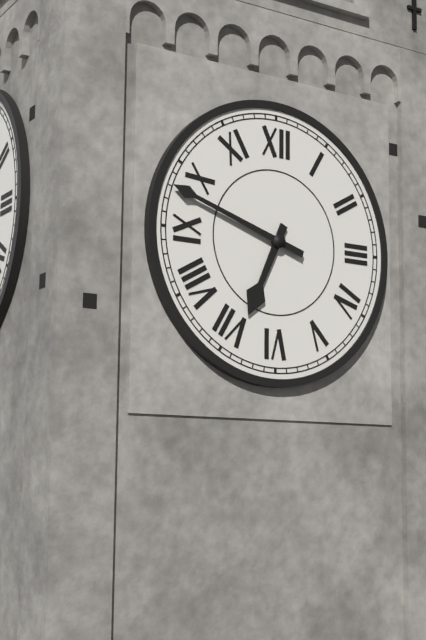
6:48
